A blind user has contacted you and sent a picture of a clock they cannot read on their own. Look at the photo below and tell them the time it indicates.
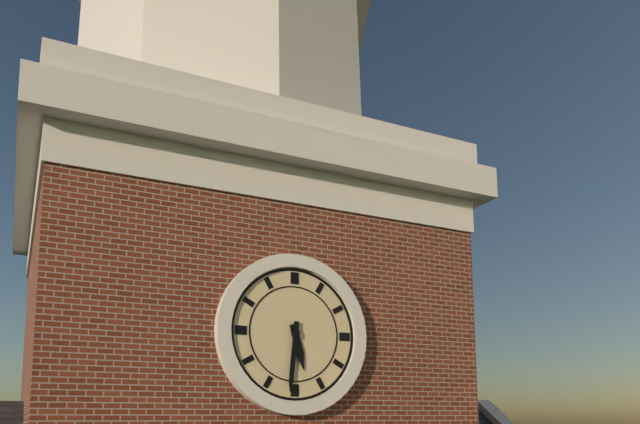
5:31
